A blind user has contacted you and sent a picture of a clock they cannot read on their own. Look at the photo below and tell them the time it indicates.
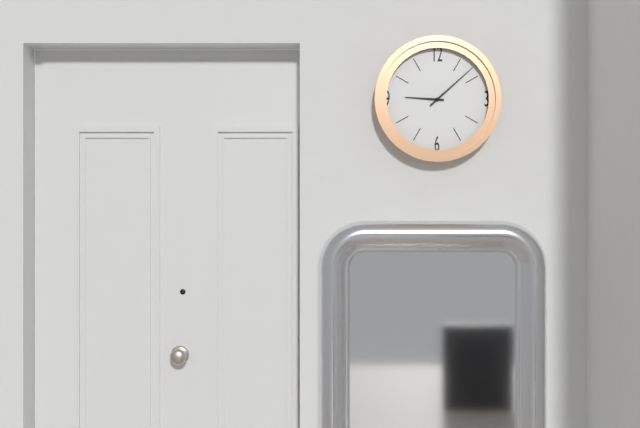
9:08
